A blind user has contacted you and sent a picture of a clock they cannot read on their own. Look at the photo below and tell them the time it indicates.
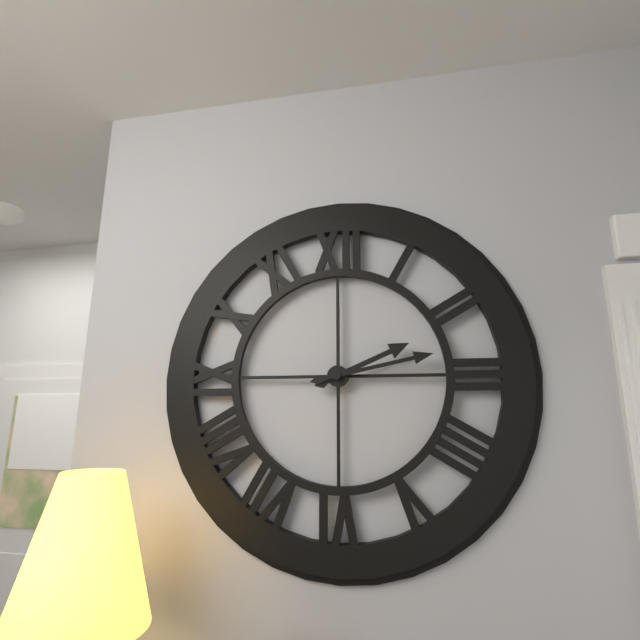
2:13
